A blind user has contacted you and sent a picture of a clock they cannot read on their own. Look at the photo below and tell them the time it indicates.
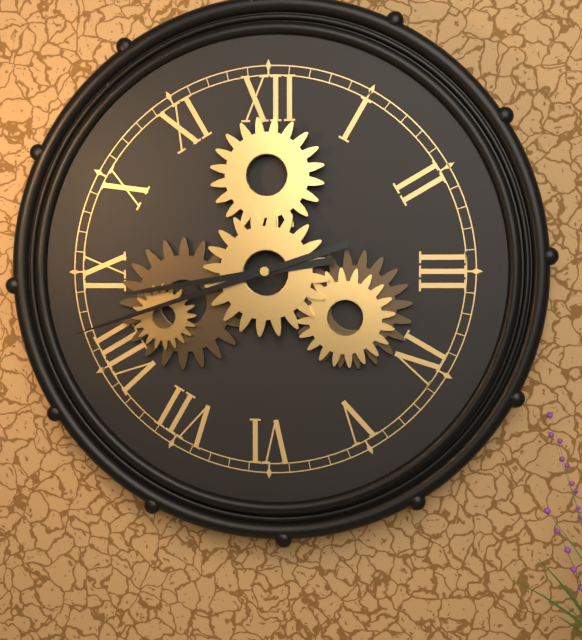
8:42
